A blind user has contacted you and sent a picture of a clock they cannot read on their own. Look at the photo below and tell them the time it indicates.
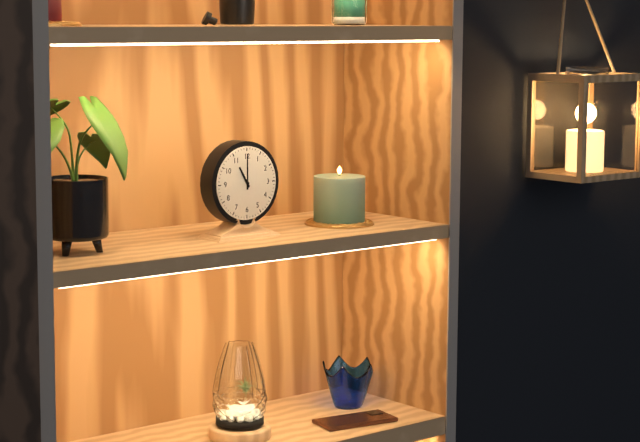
11:00
